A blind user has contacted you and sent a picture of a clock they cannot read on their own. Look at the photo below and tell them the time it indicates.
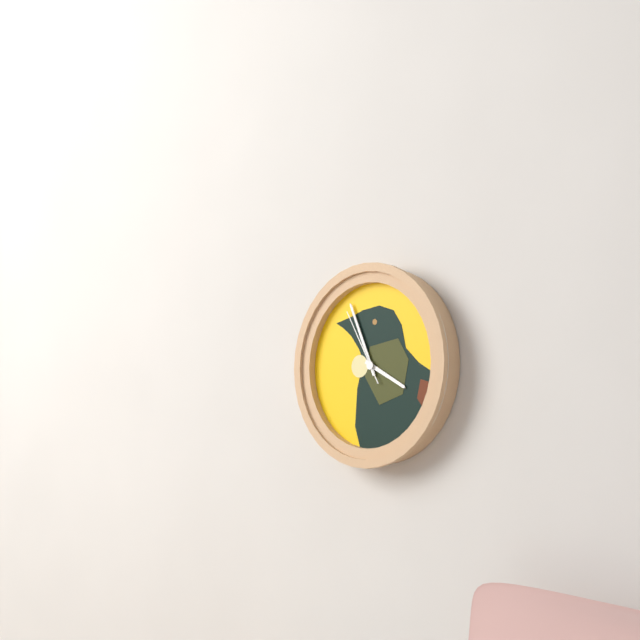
3:56:55
